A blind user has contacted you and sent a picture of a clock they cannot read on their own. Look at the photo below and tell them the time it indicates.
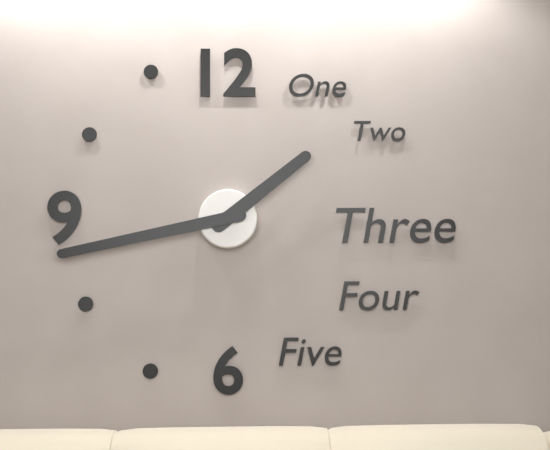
1:43
